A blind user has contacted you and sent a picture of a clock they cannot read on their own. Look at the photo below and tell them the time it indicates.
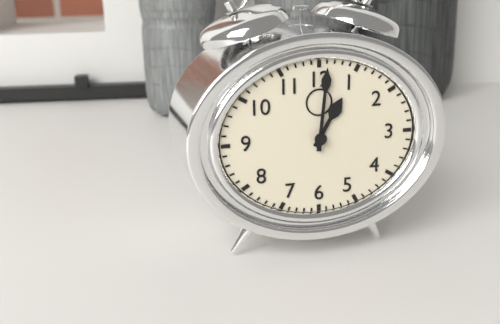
1:01
